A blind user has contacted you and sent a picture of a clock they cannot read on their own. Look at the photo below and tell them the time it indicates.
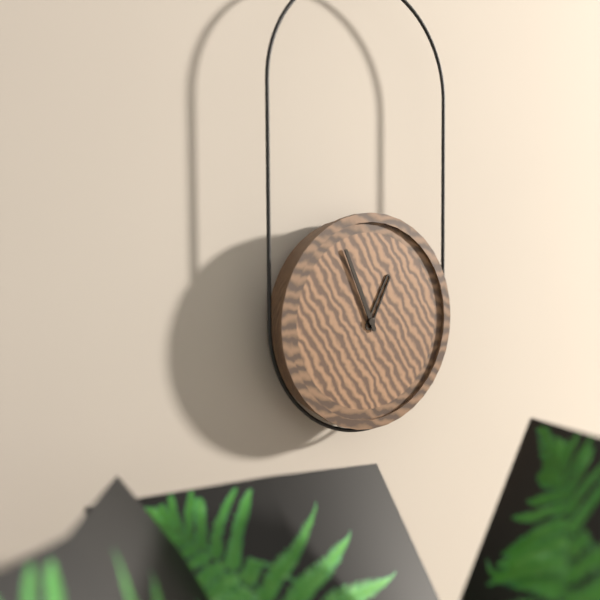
12:56
